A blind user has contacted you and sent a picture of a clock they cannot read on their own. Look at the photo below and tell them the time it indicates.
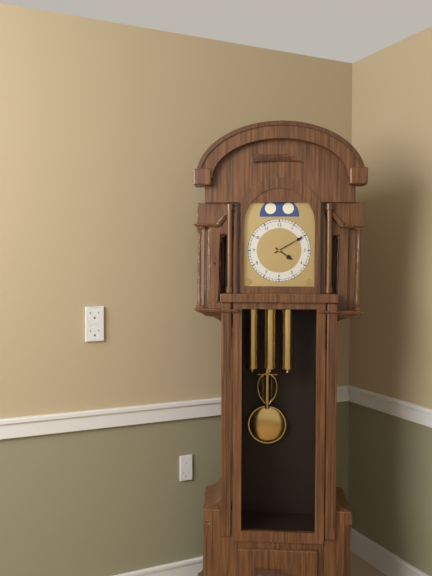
4:10
